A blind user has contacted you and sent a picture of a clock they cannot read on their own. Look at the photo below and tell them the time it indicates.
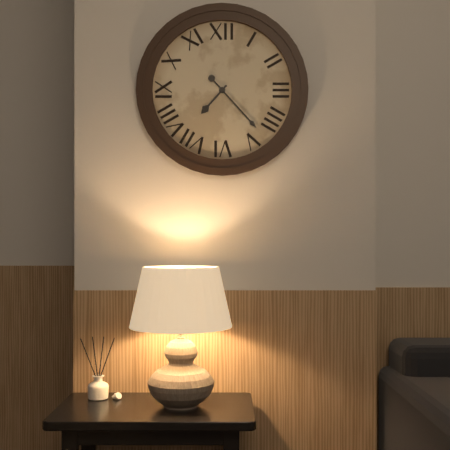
7:23
